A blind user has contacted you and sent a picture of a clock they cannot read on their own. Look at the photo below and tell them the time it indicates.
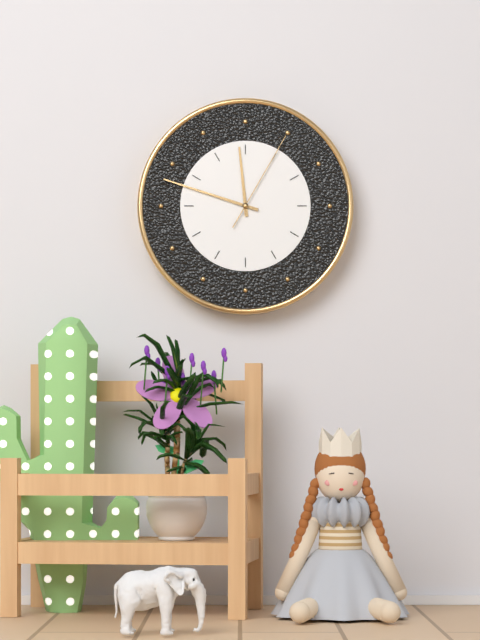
11:48:05
